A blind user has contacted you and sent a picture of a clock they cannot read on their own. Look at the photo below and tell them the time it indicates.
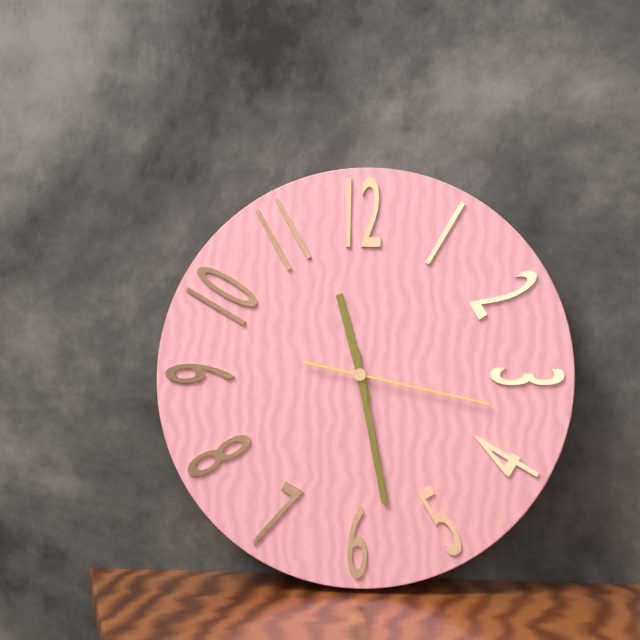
11:28:17
